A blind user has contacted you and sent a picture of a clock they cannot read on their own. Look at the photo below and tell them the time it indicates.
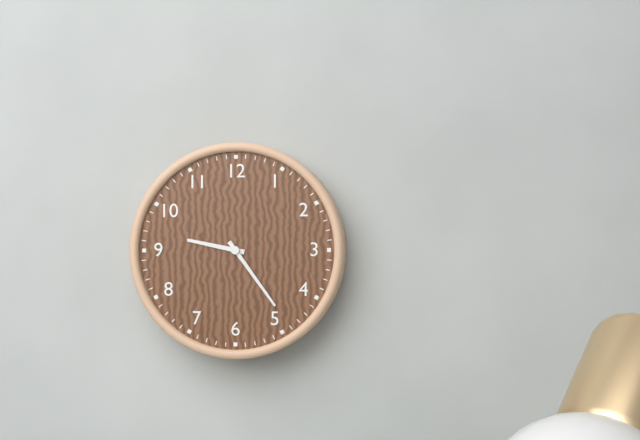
9:24
